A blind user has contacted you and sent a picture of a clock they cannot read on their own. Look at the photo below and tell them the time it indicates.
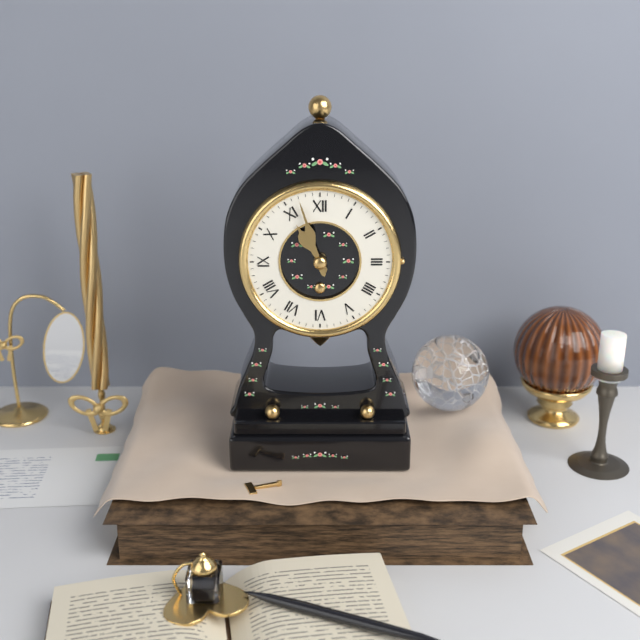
10:57
